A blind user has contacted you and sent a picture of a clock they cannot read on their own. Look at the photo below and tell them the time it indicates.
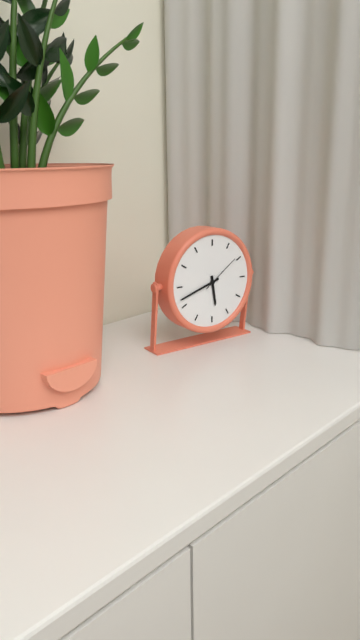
5:42
